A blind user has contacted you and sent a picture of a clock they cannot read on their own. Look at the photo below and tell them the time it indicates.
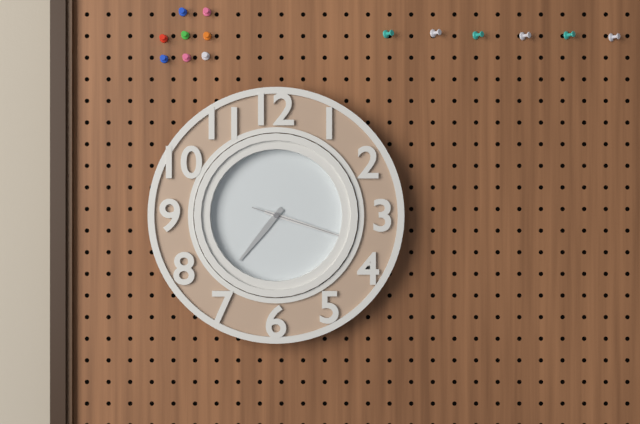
7:18:18
